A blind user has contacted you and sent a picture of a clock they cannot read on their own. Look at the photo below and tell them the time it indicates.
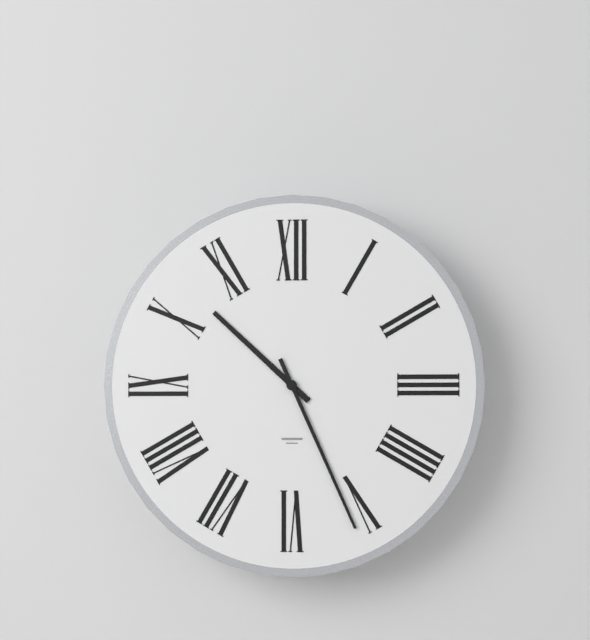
10:26
